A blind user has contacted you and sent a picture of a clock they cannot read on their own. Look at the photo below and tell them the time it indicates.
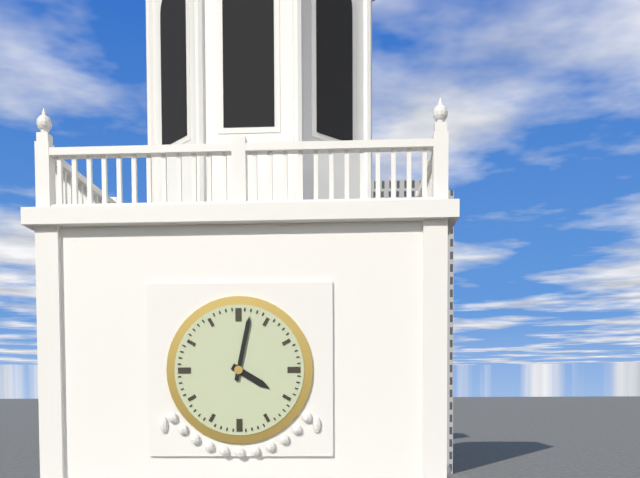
4:02
